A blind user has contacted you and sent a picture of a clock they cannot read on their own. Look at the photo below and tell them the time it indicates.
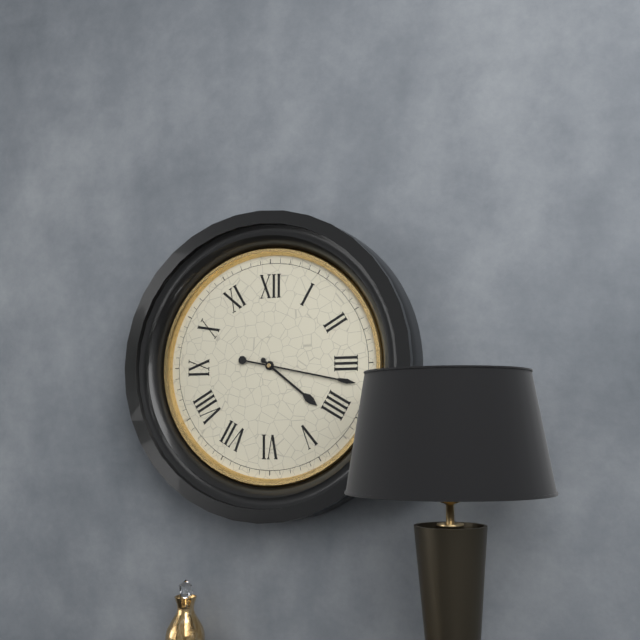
4:17
